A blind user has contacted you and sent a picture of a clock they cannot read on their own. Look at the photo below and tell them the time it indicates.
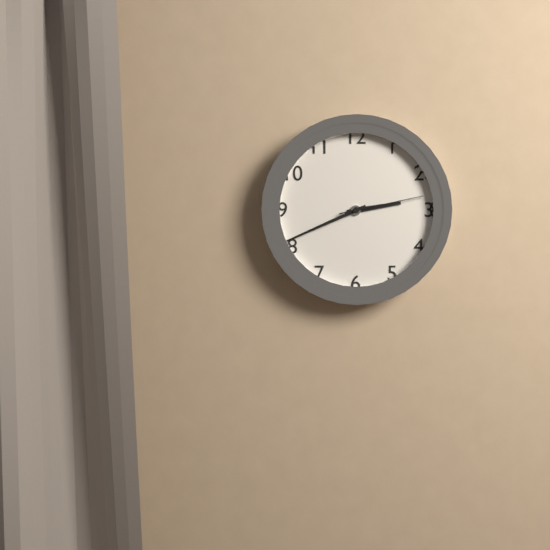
2:41:13
